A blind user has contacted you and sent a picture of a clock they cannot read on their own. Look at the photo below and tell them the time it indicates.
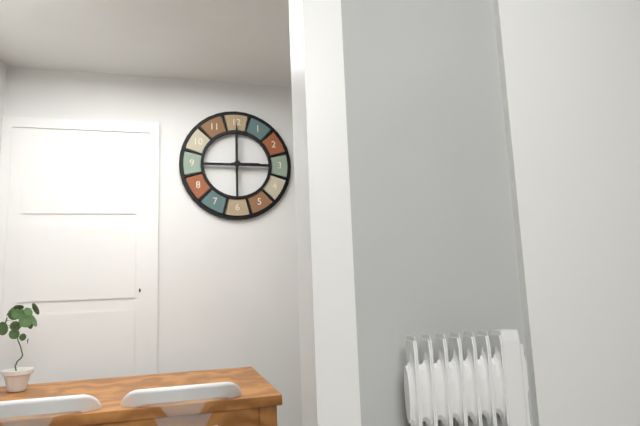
3:00
